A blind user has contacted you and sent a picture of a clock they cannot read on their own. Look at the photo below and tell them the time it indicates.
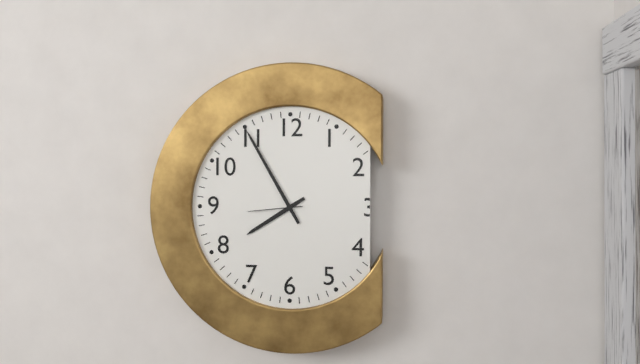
7:55:44
